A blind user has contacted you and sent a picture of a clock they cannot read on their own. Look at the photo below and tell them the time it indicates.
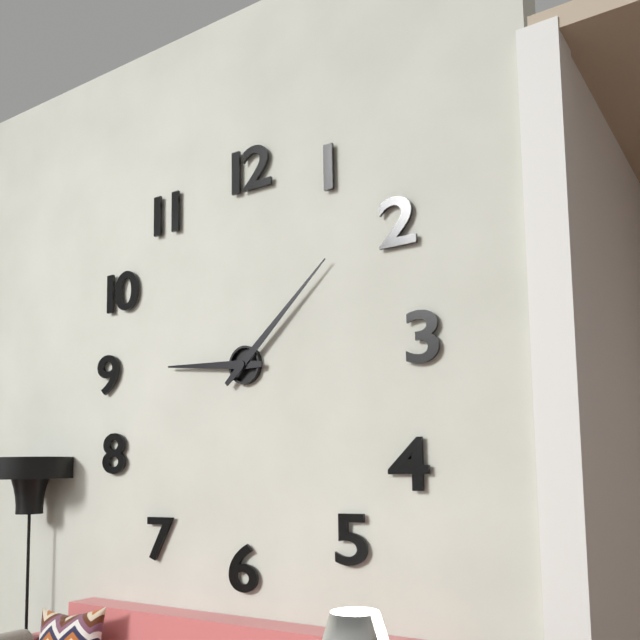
9:08
